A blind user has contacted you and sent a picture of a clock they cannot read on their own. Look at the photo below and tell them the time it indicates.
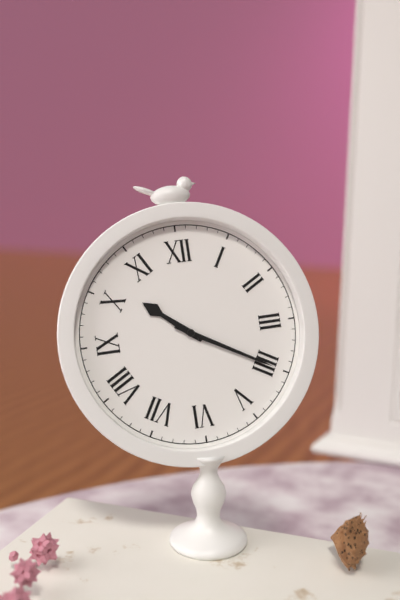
10:20
